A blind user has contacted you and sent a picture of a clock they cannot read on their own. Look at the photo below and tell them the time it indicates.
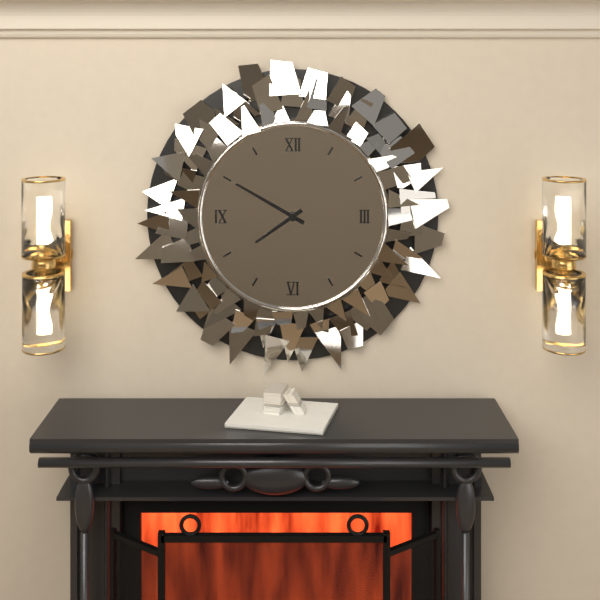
7:50
